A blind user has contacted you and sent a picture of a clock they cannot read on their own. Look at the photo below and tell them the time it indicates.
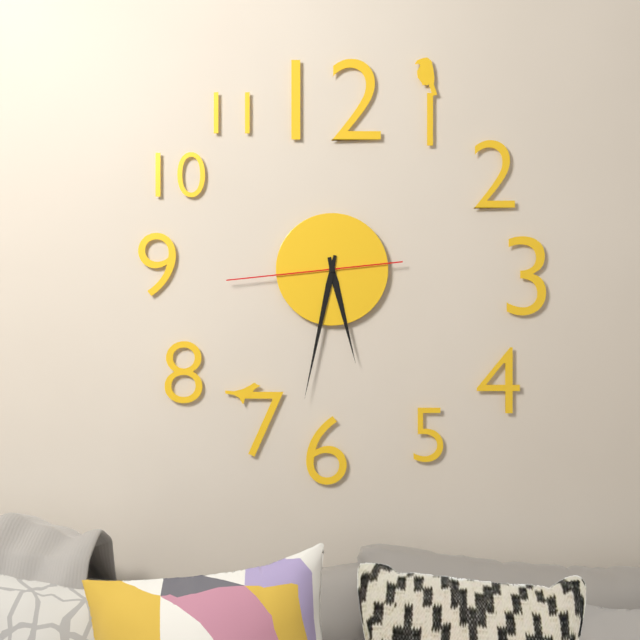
5:32:44
